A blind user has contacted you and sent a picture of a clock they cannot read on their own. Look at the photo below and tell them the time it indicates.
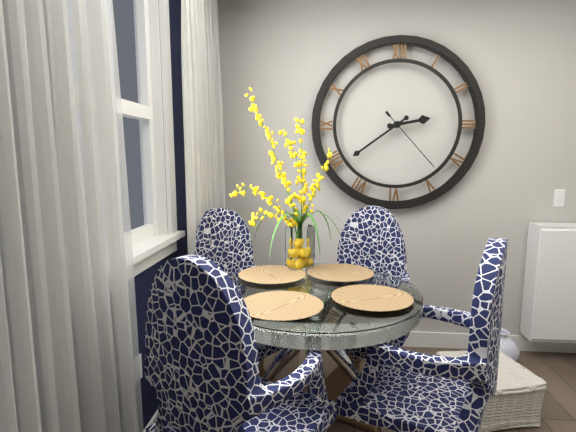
2:39:23
